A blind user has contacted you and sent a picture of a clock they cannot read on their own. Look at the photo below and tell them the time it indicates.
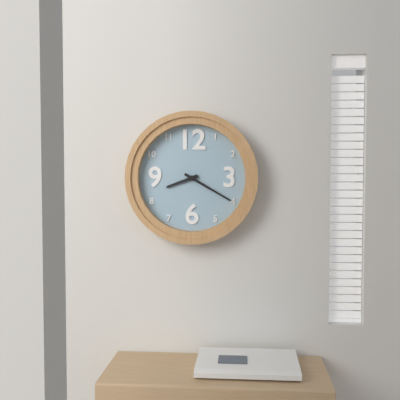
8:20
